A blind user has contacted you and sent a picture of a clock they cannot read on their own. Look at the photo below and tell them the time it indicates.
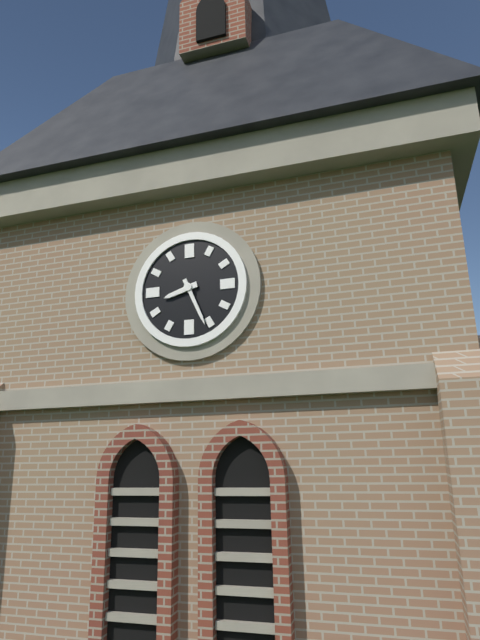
8:26
